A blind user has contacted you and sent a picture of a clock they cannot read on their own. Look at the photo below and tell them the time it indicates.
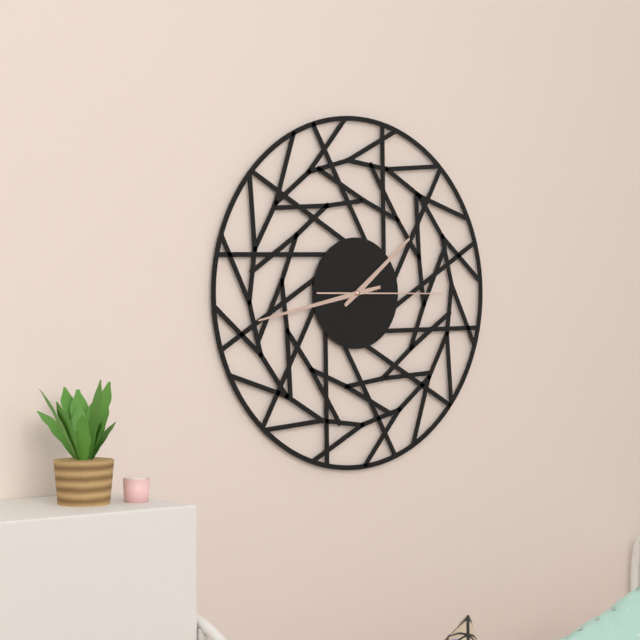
1:43:15
